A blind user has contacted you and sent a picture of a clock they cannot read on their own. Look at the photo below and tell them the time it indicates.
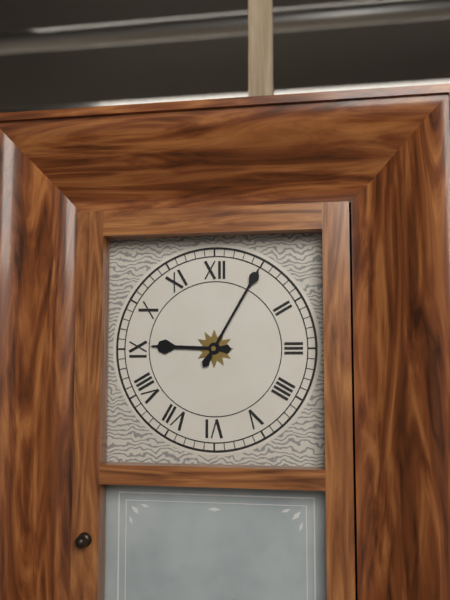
9:05
